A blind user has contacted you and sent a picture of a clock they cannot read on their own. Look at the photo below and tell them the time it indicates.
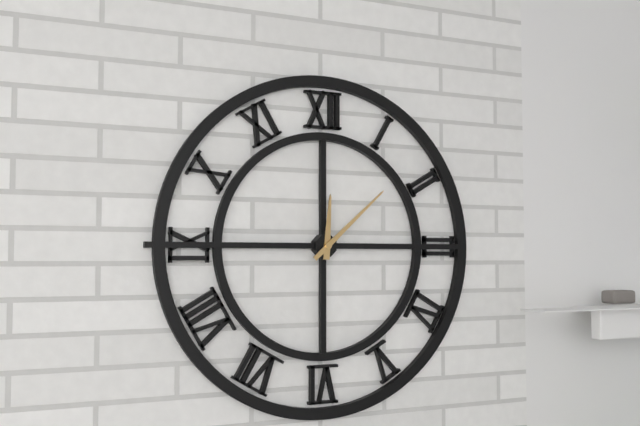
12:08
